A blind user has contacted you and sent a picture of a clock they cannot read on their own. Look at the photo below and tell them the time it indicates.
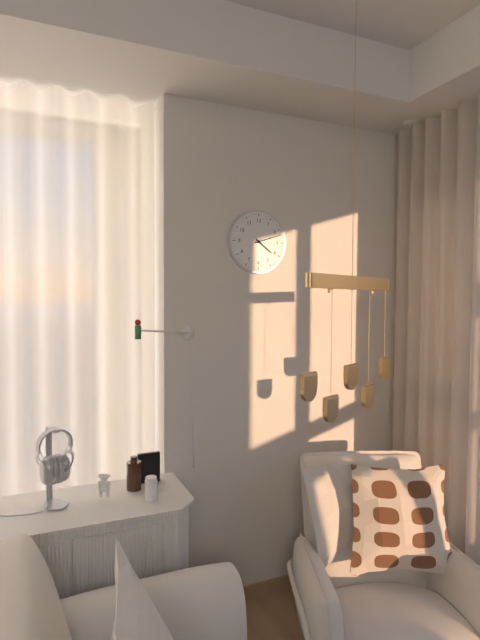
4:12
